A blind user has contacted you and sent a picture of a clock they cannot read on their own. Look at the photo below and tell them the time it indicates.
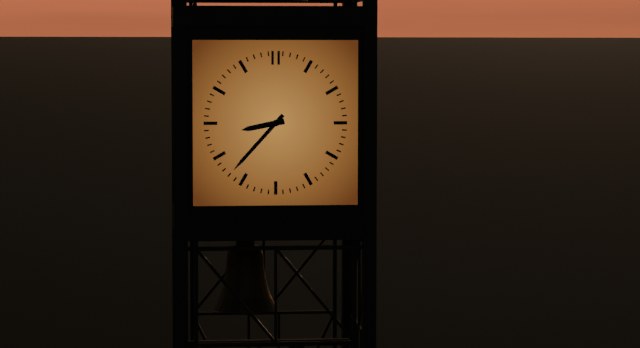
8:37
